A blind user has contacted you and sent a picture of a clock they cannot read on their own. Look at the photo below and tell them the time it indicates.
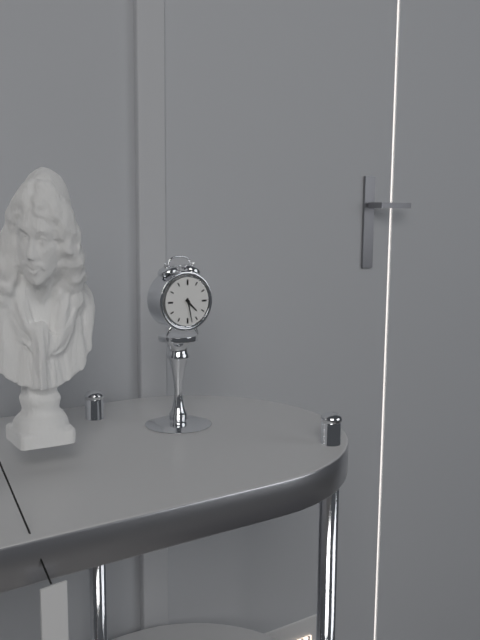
4:28
